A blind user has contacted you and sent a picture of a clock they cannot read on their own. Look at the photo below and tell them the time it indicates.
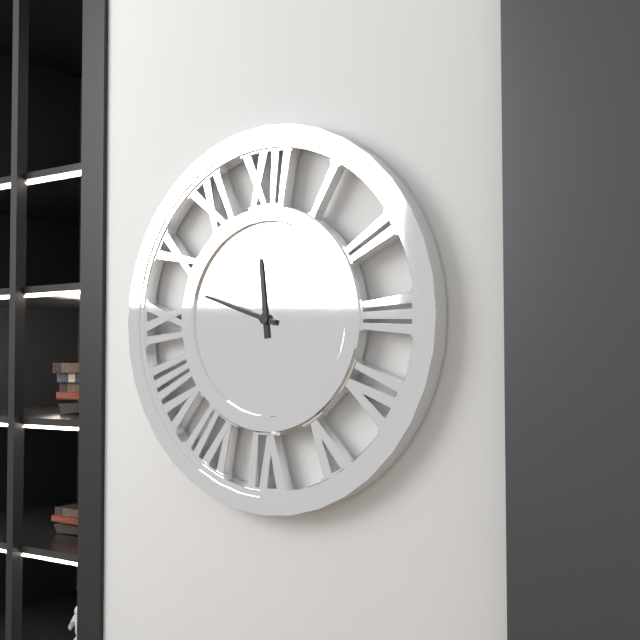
11:48
